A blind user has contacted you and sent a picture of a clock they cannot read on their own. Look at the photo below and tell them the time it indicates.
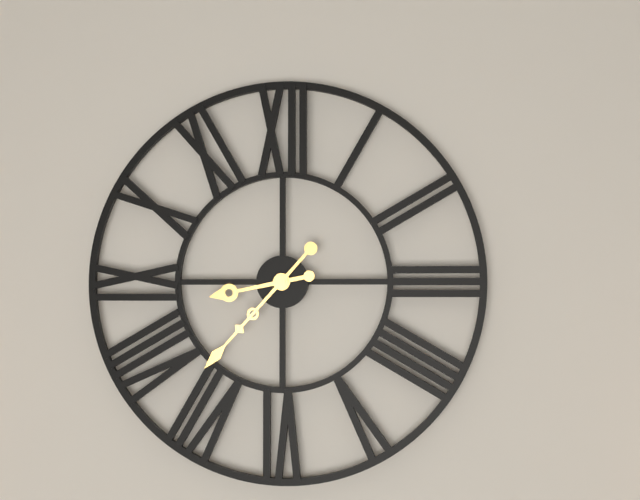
8:37
